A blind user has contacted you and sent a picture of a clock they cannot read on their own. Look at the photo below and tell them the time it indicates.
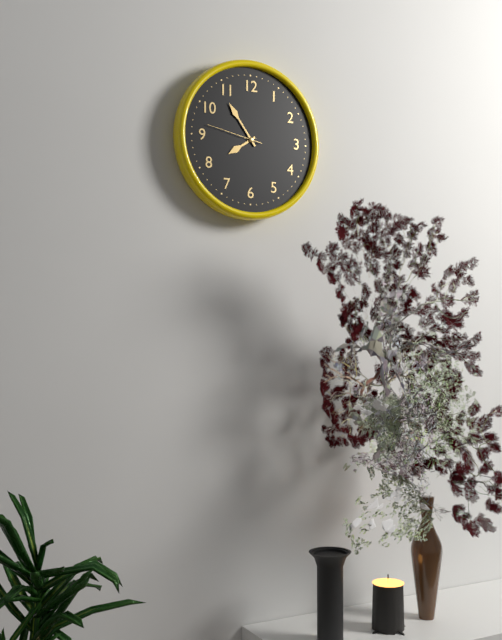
7:54:47
